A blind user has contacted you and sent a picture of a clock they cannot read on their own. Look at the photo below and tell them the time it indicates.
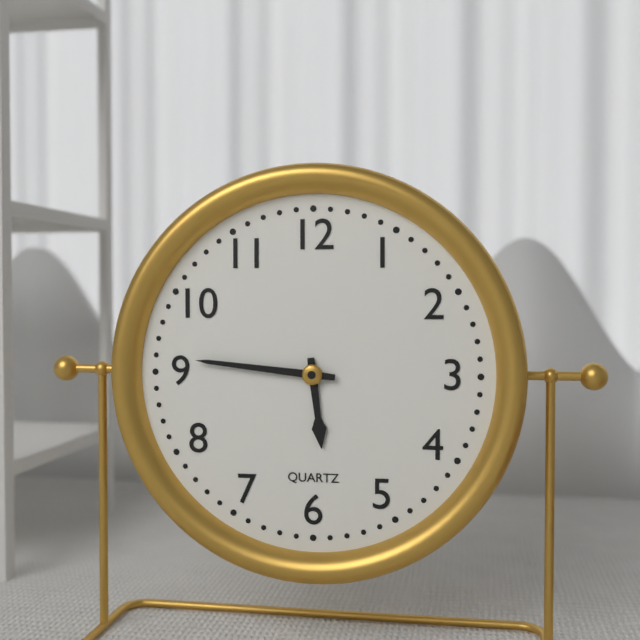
5:46
